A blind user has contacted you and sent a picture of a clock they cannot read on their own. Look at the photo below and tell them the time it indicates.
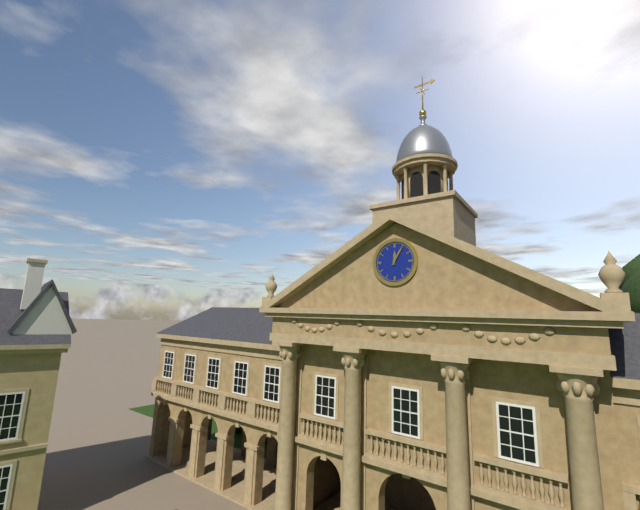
12:05
